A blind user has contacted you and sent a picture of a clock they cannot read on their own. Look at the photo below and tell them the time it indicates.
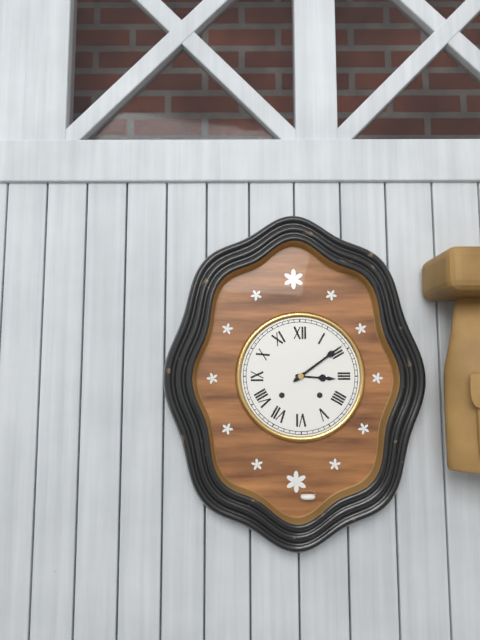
3:09
